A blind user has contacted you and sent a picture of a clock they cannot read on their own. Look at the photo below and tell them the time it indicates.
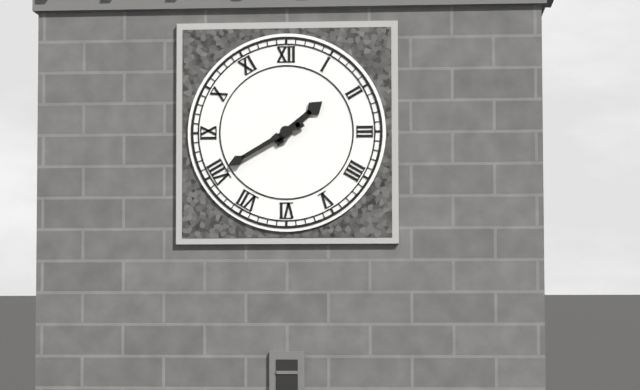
1:40
